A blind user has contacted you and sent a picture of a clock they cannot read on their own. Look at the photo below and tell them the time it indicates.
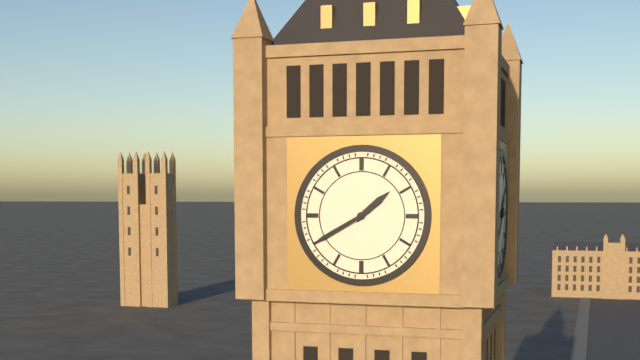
1:40
